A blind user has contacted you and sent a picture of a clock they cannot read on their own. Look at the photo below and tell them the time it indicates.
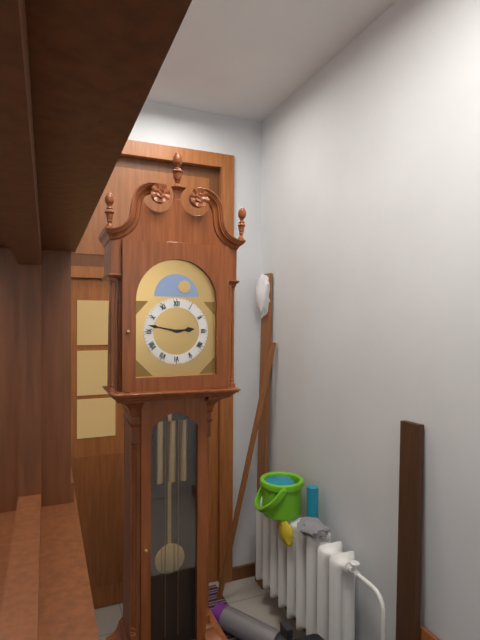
2:47
